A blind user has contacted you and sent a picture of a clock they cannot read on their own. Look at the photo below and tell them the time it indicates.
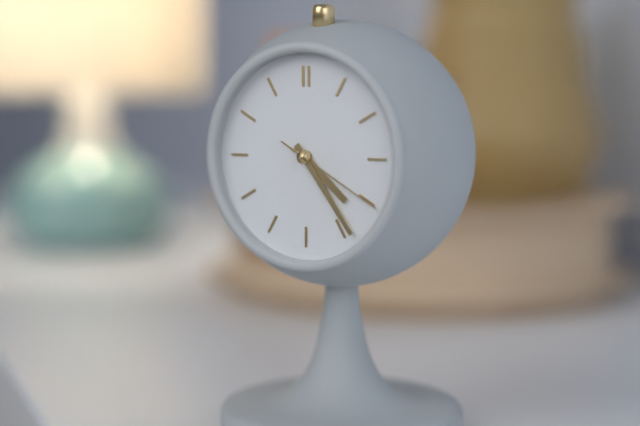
4:24:20
